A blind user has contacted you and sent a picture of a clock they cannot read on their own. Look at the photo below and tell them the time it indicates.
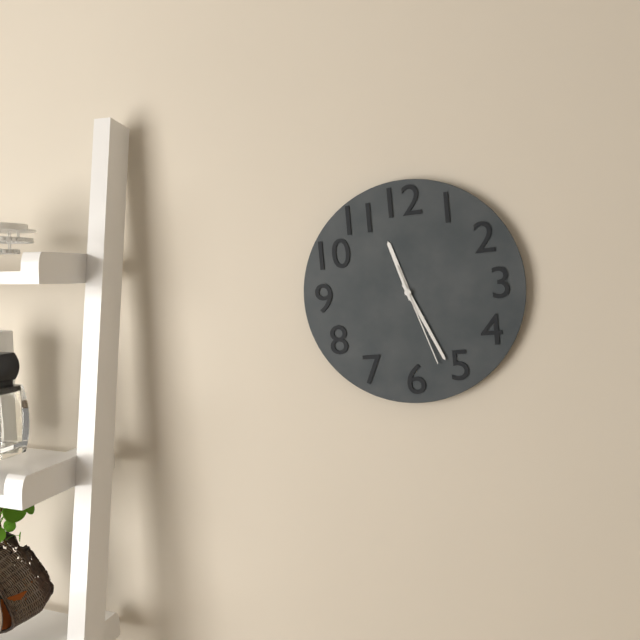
11:26:27
